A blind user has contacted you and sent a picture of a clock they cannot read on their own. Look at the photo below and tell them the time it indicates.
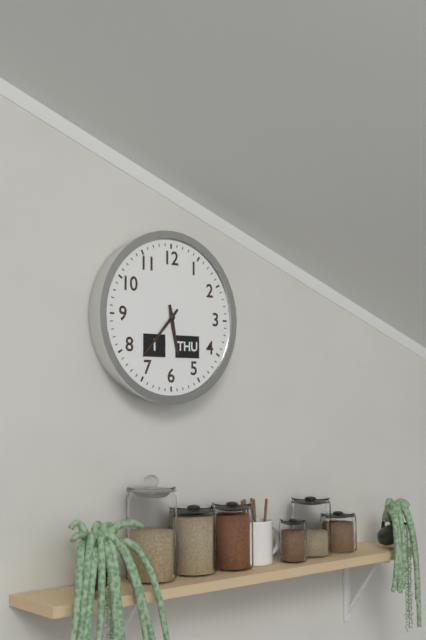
5:37
